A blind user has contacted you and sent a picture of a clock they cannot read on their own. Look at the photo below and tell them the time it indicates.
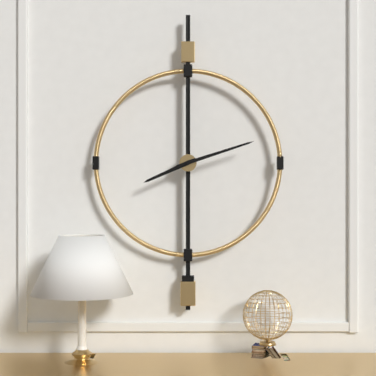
8:12
